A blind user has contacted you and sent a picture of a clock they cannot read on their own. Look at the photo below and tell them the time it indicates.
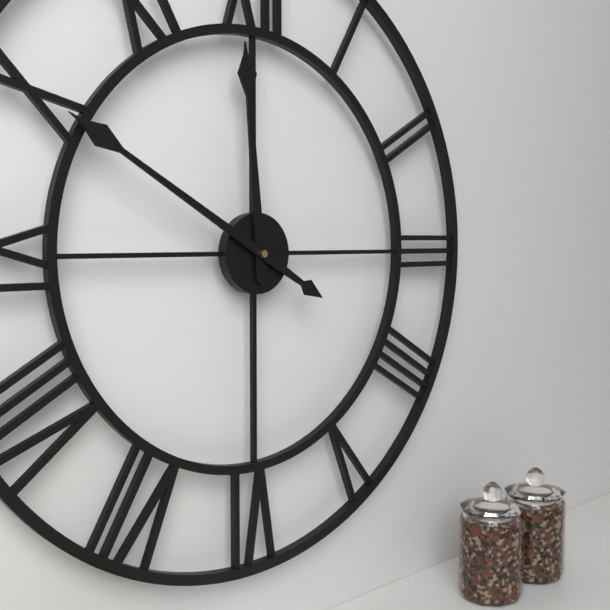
11:50
